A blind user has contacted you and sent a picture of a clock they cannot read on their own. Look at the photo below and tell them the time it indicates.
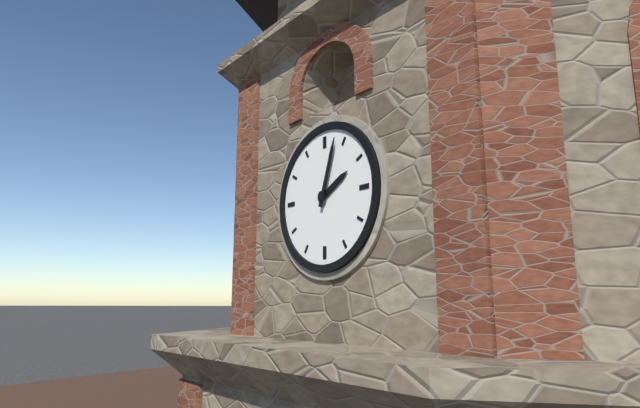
2:03
